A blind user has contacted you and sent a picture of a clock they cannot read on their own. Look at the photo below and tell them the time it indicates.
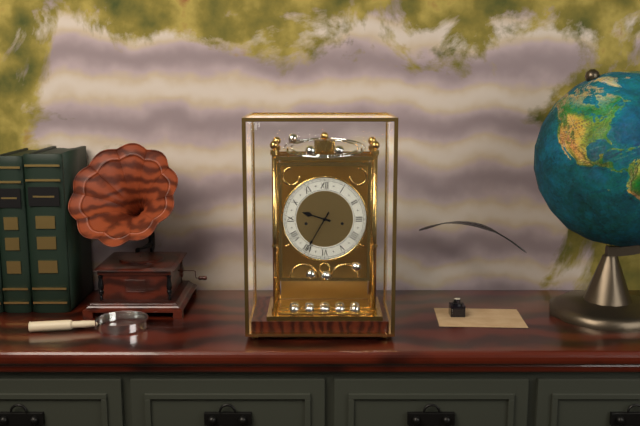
9:35
